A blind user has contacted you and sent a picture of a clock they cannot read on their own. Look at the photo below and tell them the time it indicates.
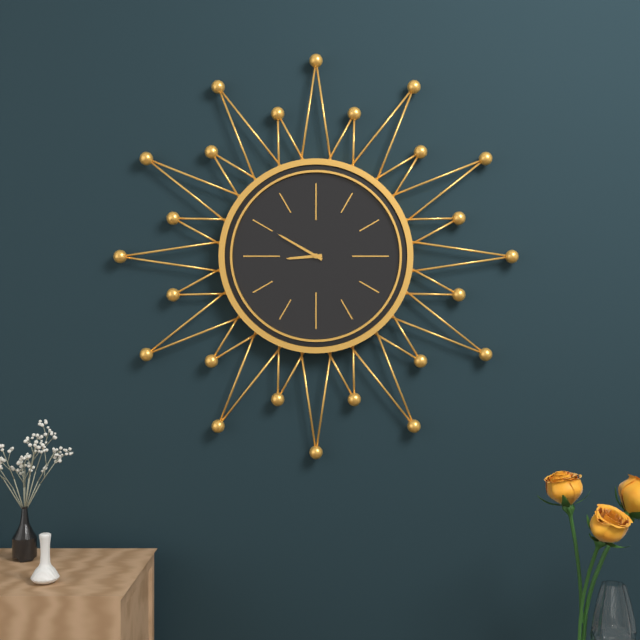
8:50
